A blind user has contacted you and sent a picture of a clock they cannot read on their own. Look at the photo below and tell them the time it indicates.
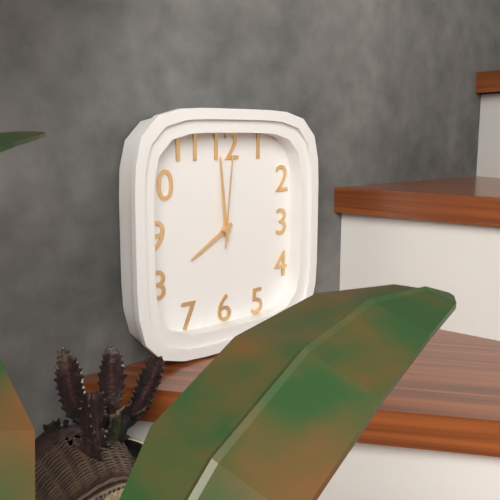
7:59:01
